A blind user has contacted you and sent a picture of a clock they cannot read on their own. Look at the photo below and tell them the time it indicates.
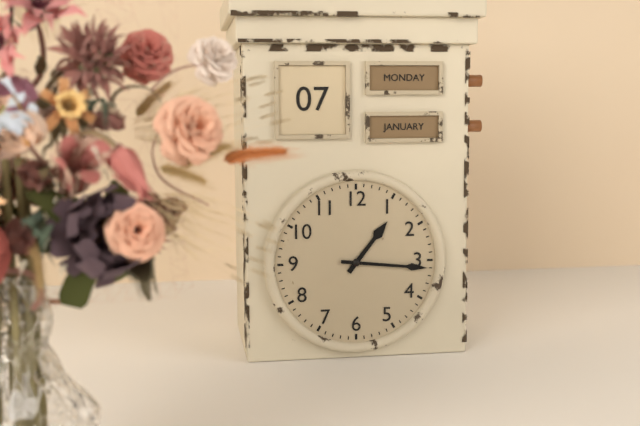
1:16
